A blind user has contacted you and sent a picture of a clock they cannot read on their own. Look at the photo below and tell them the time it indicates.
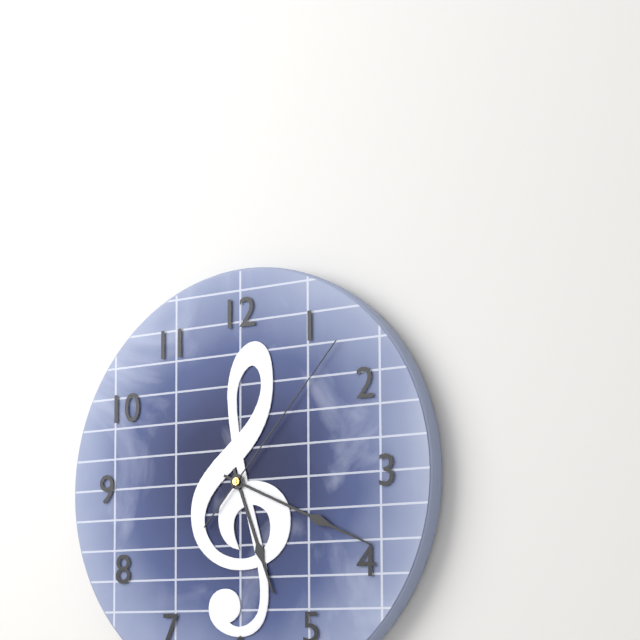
5:19:07
